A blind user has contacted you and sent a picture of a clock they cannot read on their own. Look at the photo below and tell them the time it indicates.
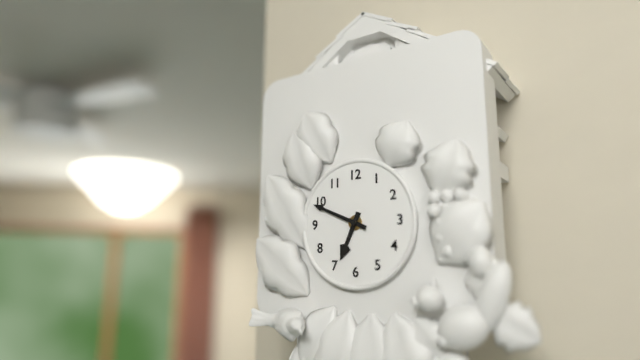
6:49
